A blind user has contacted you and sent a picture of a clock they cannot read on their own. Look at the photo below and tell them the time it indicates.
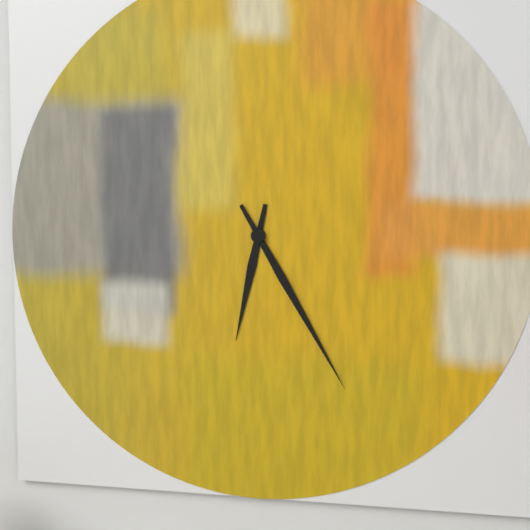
6:25
